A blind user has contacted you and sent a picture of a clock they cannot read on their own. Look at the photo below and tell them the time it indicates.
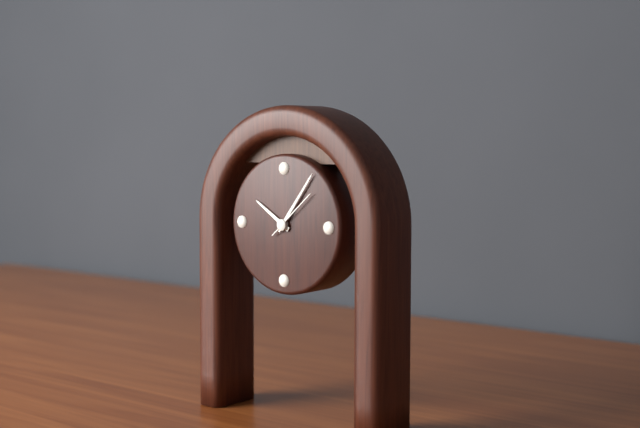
10:06:08
